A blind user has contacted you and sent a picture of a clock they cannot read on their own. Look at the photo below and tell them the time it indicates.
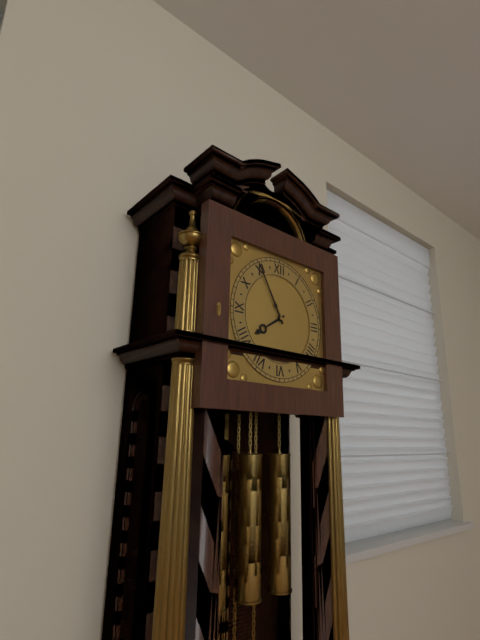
7:55
